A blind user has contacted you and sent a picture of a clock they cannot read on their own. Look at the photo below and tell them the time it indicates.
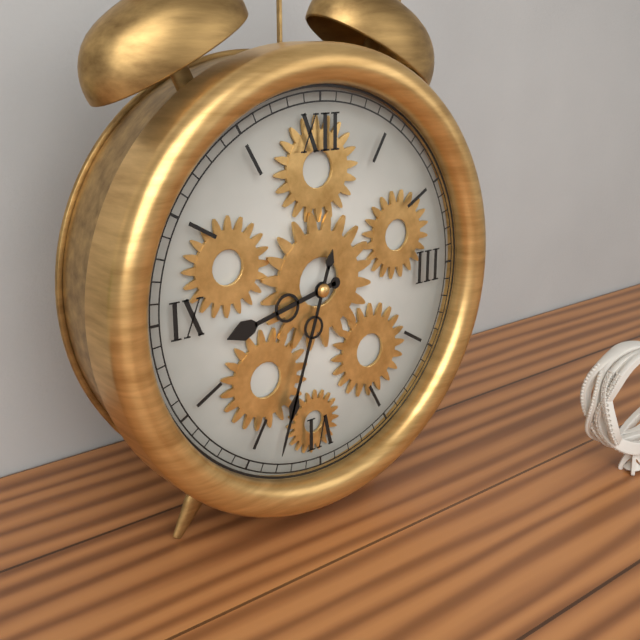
8:33
